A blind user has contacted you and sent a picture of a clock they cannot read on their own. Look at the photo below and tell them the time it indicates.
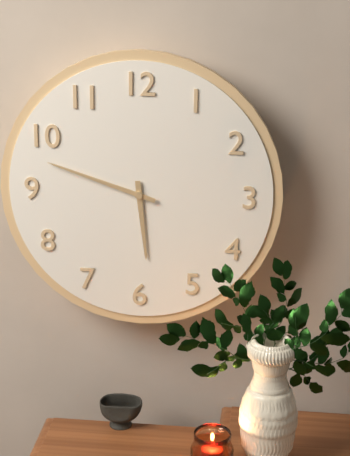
5:48
